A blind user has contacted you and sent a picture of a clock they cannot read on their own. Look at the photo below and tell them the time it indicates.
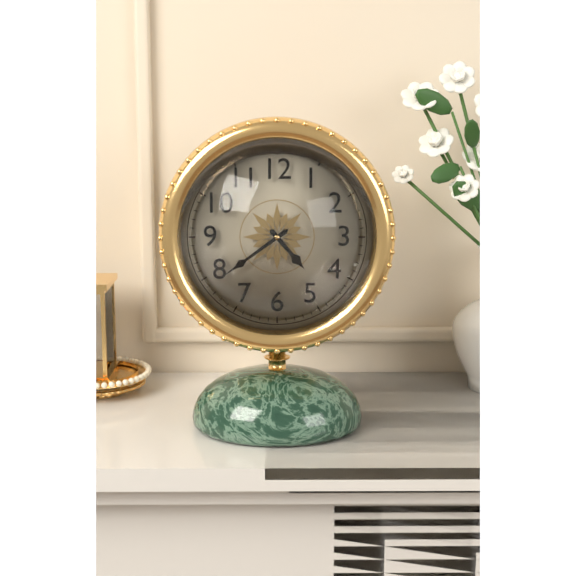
4:39
